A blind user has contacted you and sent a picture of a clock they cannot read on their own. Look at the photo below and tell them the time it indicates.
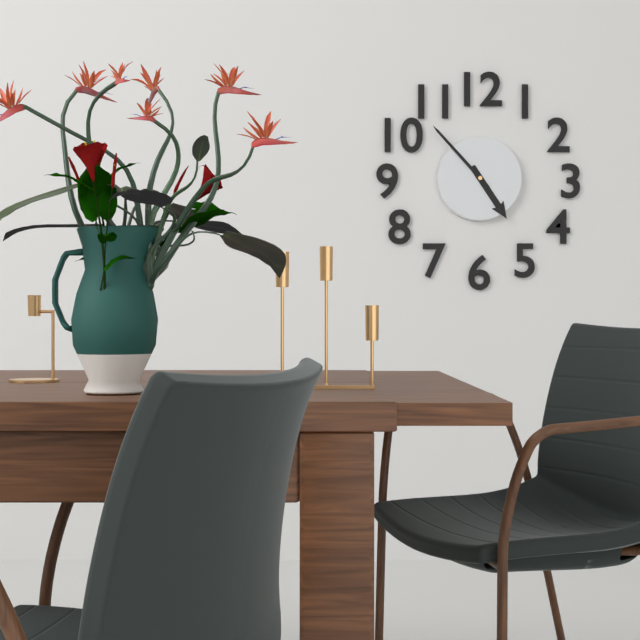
4:53
